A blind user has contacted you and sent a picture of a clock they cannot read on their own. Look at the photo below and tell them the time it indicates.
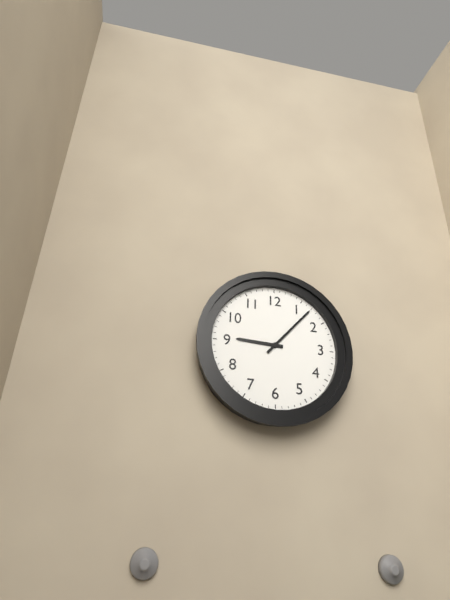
9:07
